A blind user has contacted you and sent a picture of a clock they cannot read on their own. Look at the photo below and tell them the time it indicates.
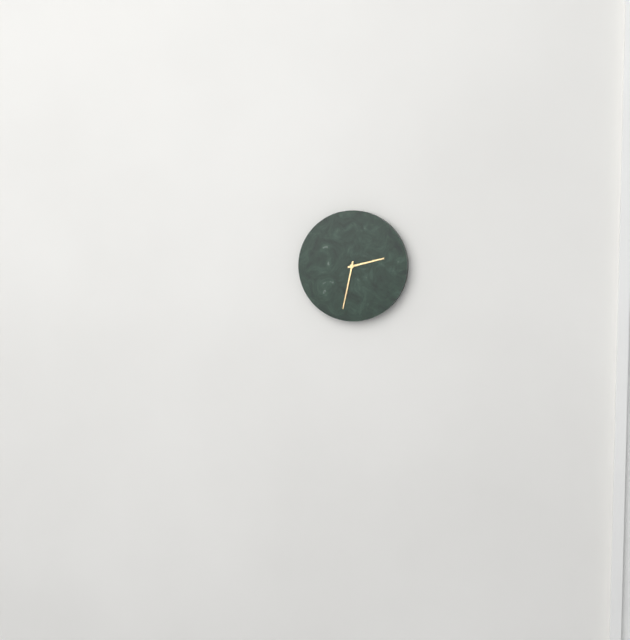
2:32
